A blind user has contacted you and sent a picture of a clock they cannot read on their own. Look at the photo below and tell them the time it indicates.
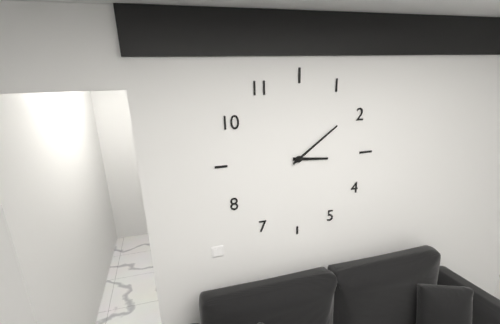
3:09
